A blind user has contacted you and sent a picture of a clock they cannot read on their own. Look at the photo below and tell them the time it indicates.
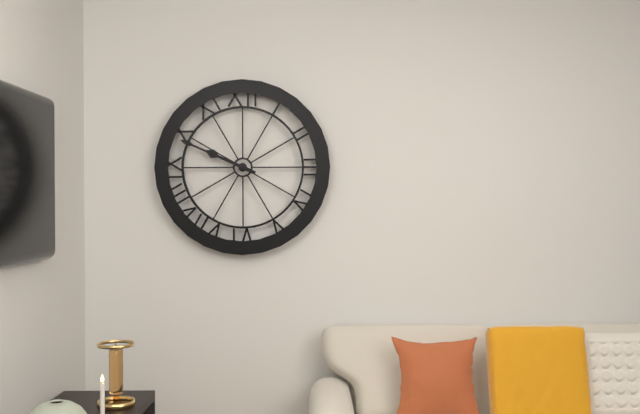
9:49
